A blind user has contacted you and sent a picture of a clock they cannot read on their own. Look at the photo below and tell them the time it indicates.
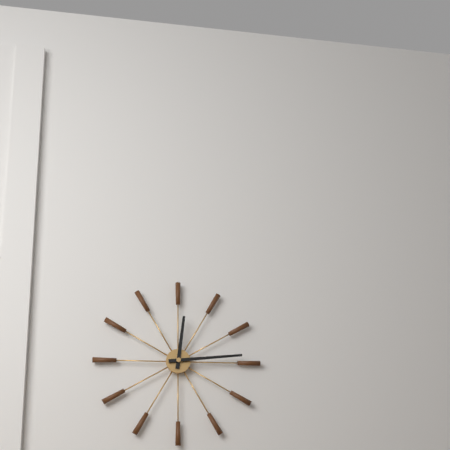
12:14
